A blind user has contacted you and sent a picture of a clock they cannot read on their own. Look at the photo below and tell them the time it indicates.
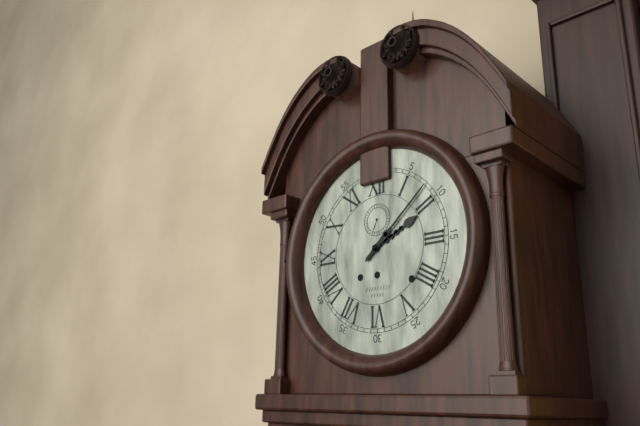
2:08
